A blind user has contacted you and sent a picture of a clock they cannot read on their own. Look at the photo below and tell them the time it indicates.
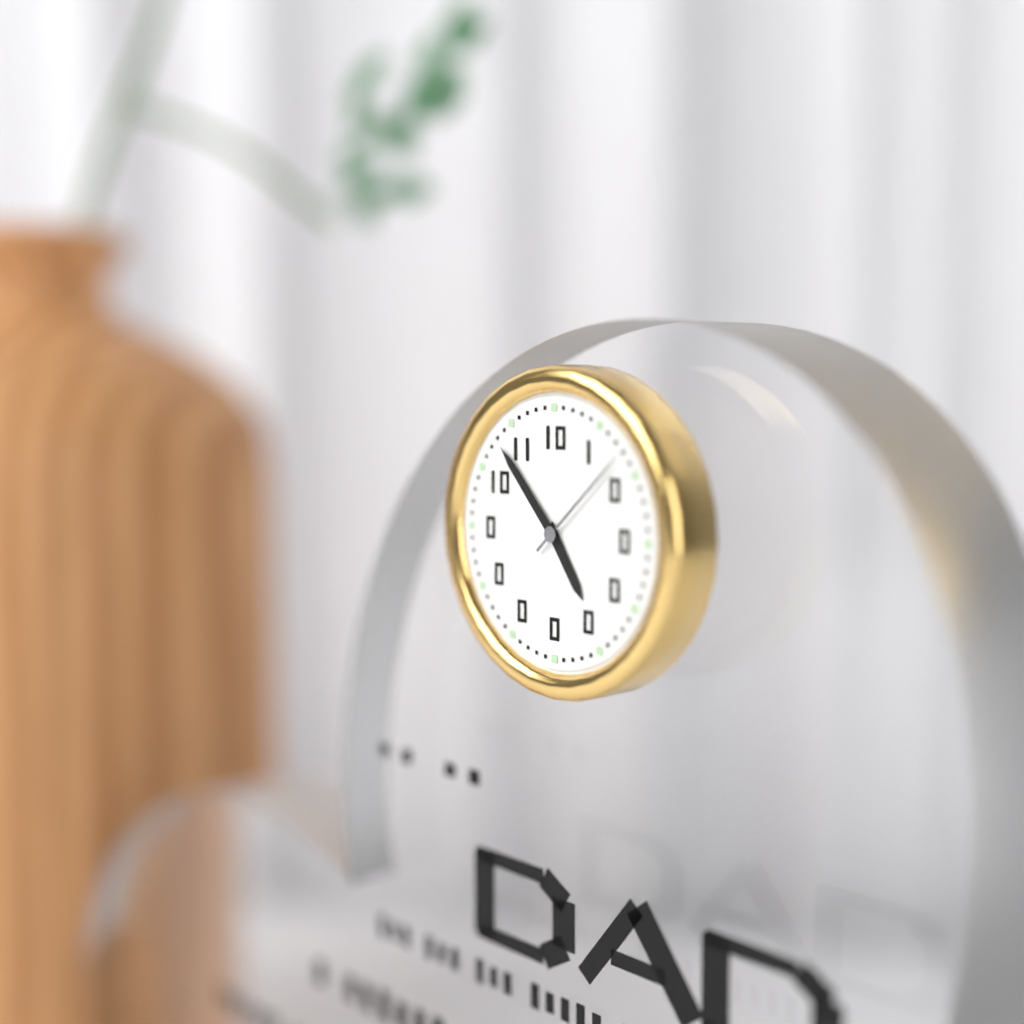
4:53:08
